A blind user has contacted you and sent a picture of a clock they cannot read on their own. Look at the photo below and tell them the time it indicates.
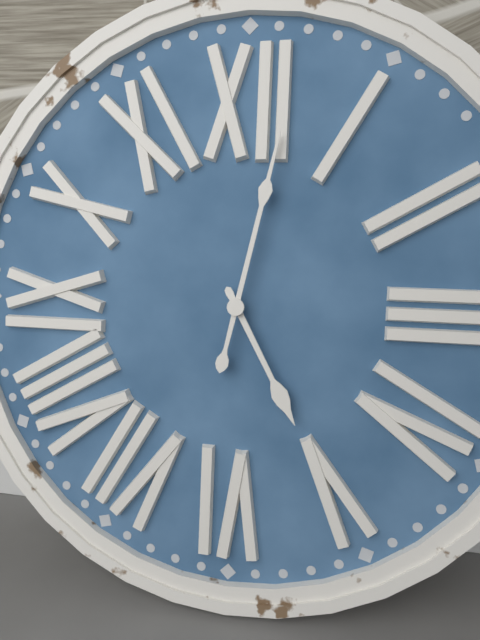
5:02
